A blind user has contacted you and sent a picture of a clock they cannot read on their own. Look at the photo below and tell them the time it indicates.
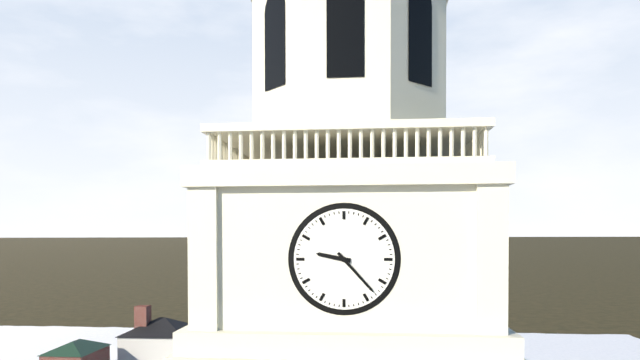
9:23
